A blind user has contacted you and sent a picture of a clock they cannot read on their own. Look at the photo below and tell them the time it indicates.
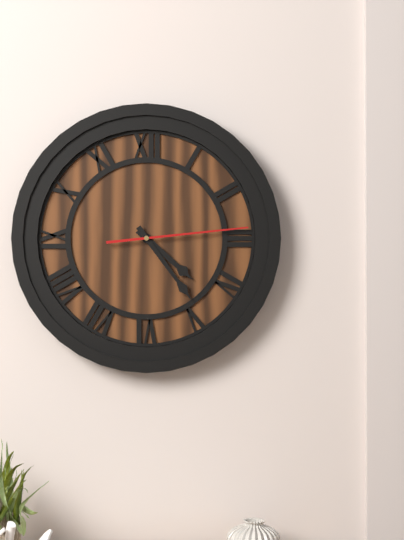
4:24:14
